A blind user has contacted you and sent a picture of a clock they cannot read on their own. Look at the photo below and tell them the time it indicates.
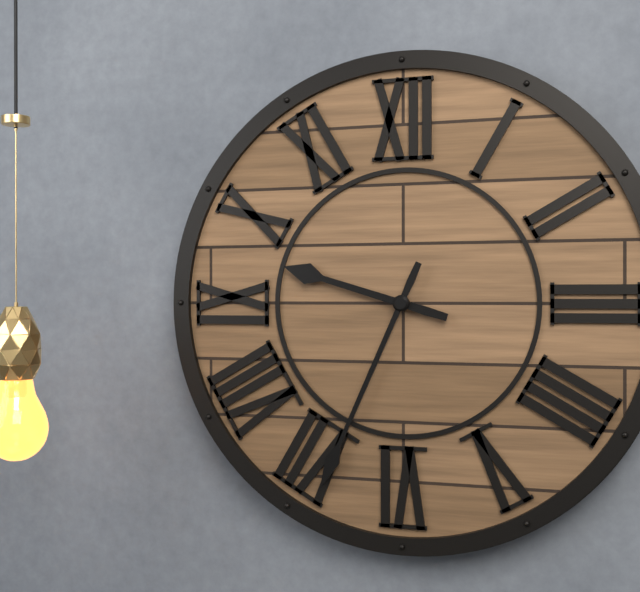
9:34
